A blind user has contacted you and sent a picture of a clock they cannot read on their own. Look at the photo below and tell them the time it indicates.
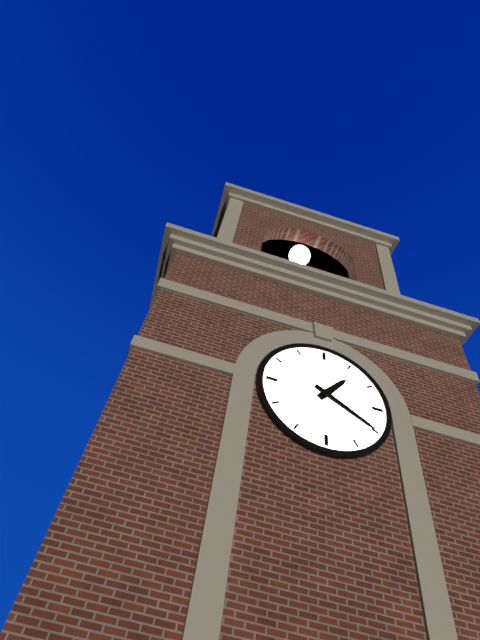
1:20
